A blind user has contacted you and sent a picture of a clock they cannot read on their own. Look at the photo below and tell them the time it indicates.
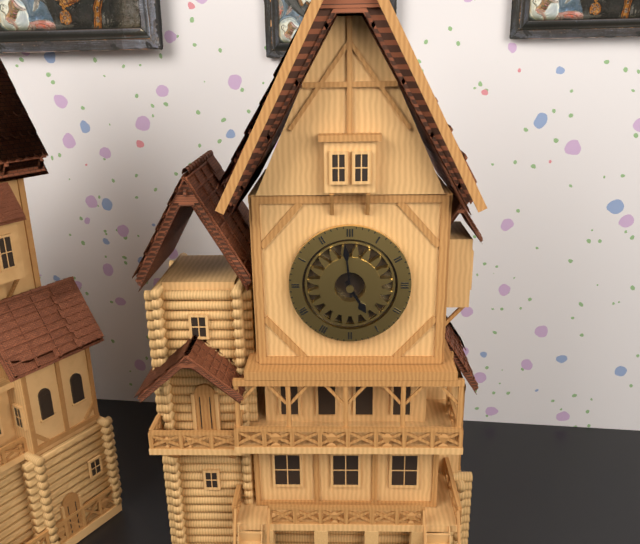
4:59
